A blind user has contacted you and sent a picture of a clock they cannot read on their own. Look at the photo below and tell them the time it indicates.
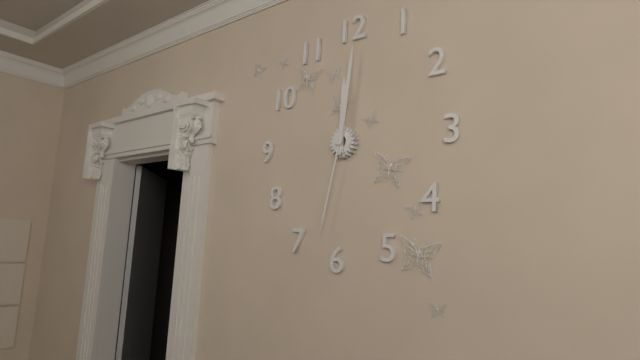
12:01:32
